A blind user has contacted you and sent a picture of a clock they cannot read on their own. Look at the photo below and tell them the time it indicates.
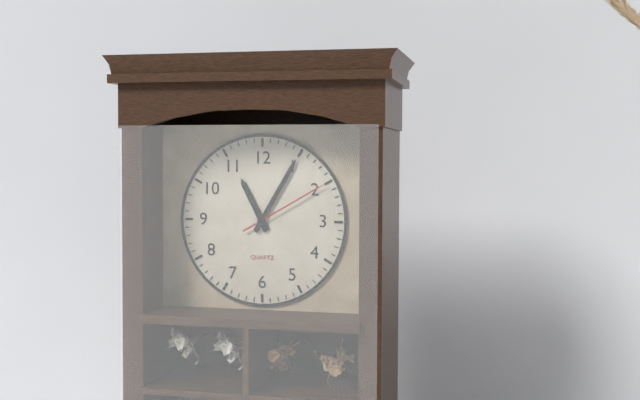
11:05:10
